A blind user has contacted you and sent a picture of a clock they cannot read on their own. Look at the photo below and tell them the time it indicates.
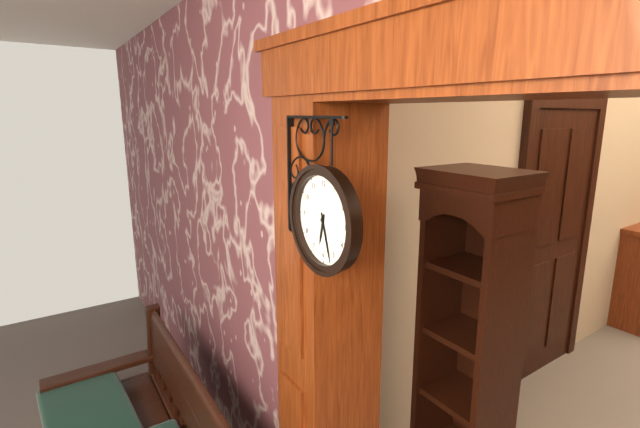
6:27
